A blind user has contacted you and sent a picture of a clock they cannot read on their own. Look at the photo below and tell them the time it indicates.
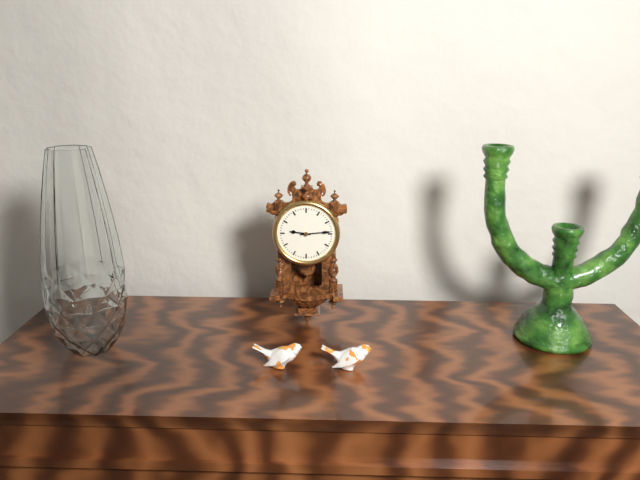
9:14
